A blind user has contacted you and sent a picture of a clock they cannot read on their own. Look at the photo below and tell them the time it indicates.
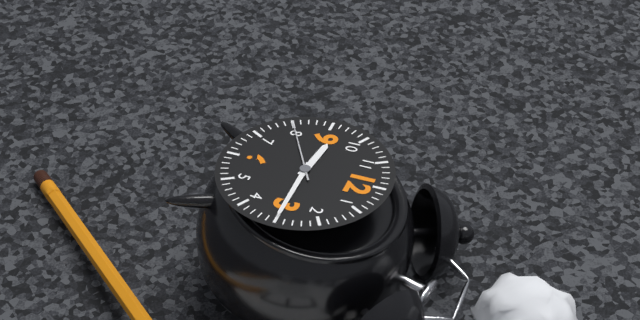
9:15:40
